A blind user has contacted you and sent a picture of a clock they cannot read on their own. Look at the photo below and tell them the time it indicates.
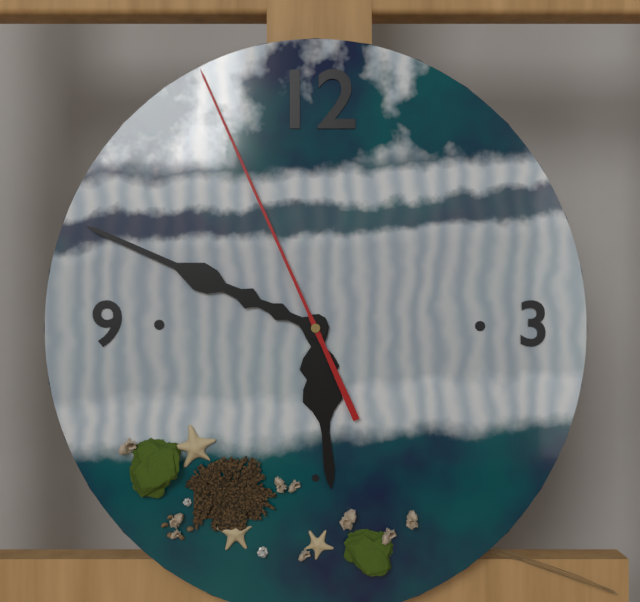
5:49:56
